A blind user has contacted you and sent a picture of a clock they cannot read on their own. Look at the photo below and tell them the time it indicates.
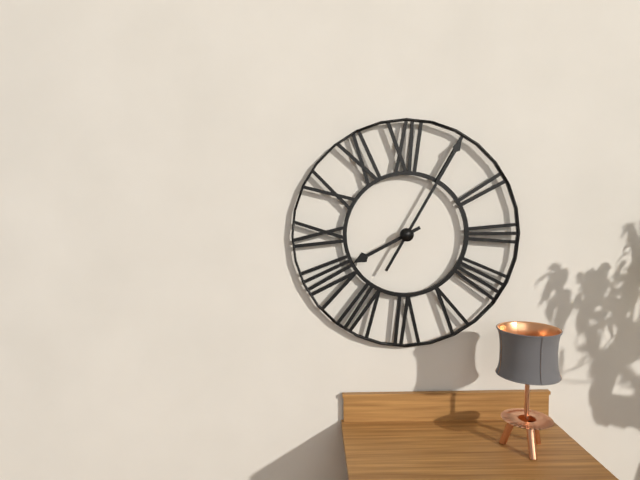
8:05
